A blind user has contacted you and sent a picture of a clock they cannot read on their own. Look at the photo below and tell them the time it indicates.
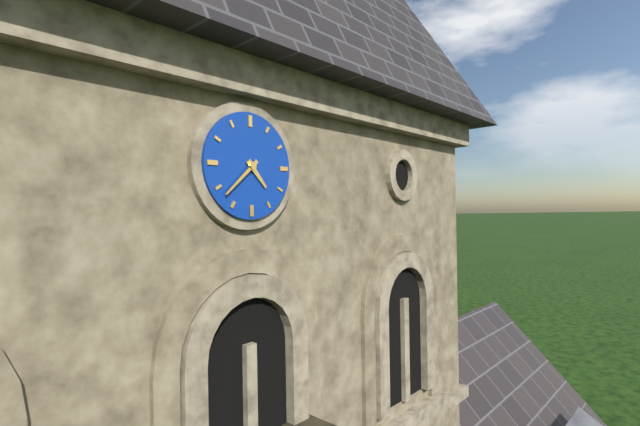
4:38
